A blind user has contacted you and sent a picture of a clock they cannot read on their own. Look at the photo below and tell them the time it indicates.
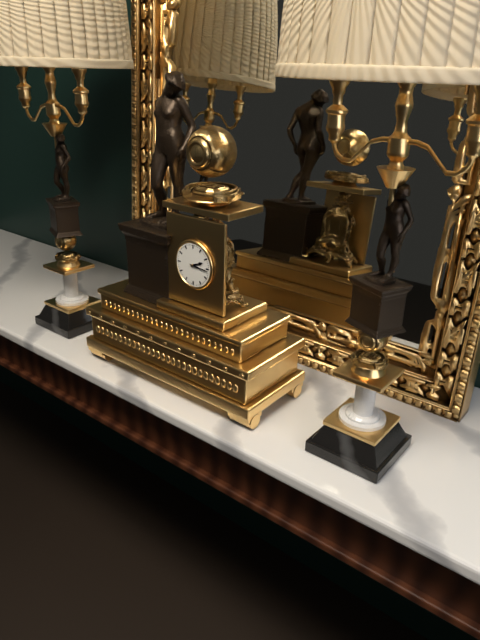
2:16
